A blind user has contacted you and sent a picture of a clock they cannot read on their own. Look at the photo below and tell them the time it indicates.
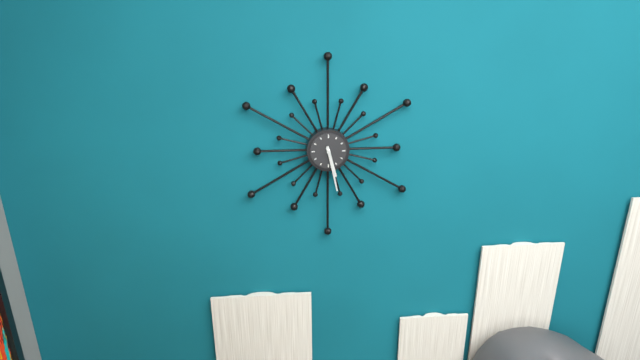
5:28
